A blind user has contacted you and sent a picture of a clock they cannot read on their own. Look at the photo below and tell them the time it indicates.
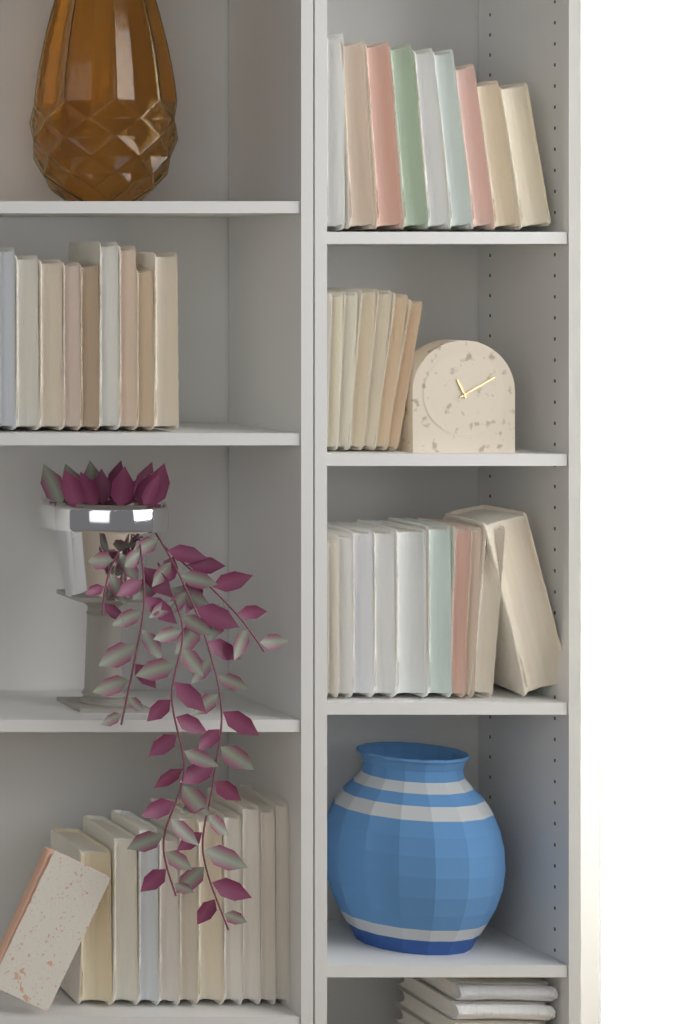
11:10
